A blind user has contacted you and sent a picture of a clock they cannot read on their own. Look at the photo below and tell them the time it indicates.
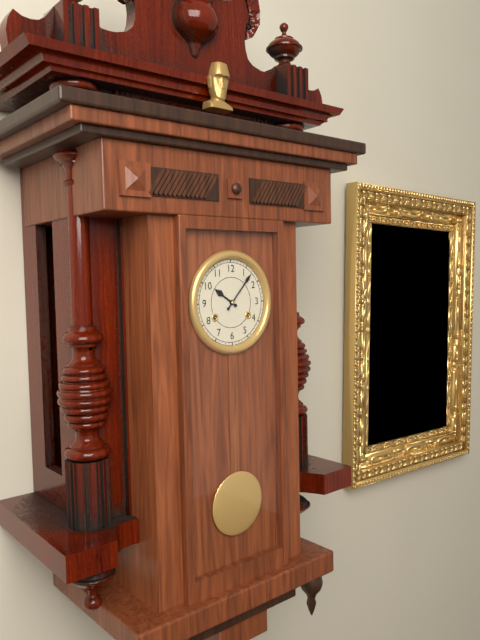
10:07
